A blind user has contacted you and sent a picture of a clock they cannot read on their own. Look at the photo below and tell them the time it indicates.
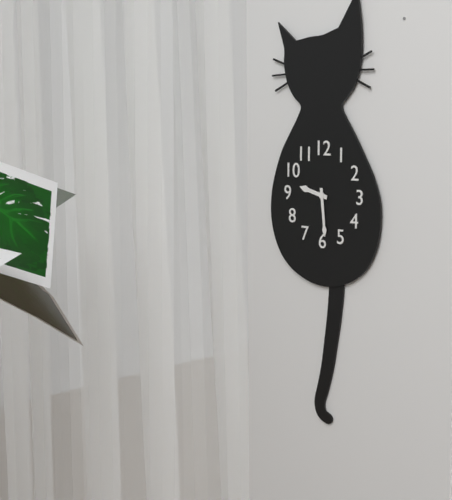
9:29
